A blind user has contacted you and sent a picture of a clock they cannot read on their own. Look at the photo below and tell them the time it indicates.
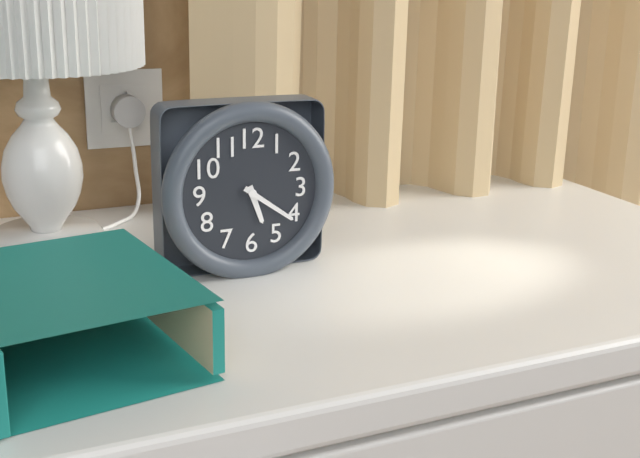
5:21
